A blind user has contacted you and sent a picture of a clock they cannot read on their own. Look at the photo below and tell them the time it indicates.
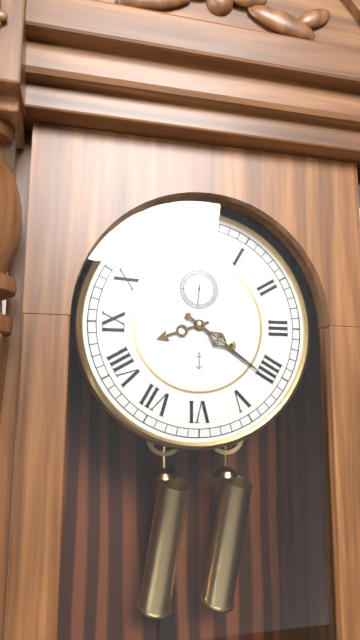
8:21
